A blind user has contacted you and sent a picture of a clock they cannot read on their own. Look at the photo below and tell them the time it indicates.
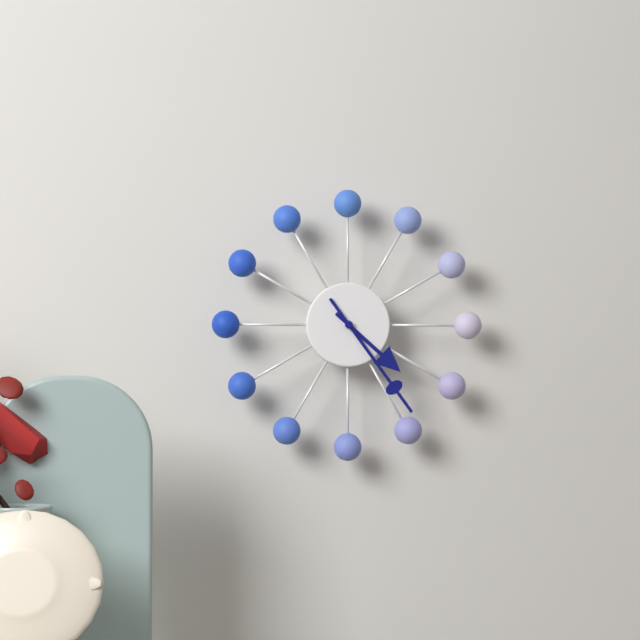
4:24
